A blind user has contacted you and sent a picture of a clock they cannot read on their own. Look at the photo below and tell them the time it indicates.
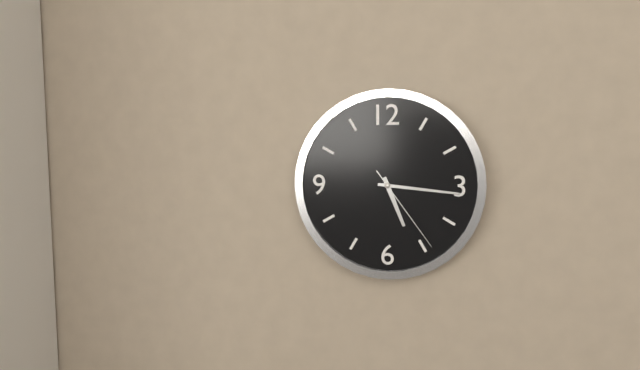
5:16:24
